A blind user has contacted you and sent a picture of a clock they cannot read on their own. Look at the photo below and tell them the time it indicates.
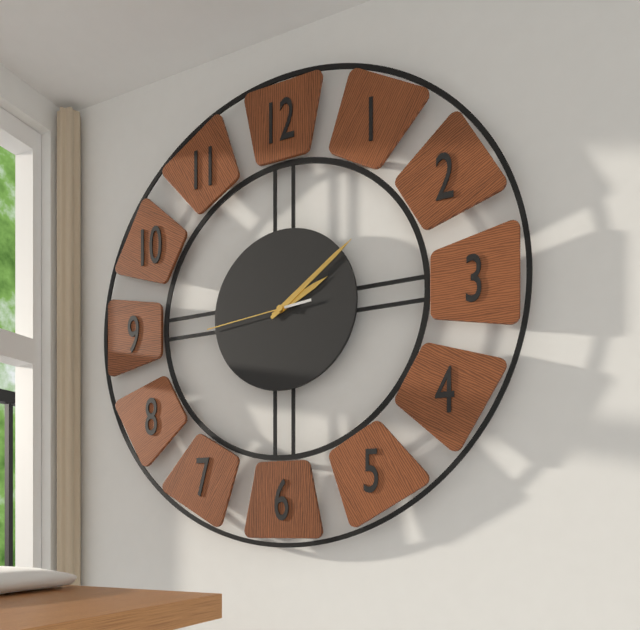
2:09:44
